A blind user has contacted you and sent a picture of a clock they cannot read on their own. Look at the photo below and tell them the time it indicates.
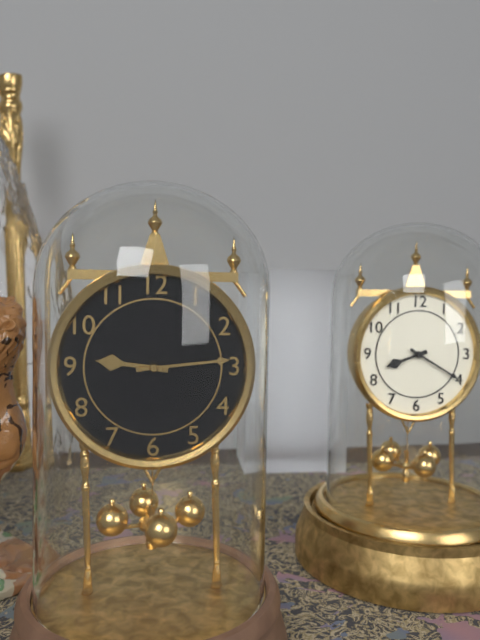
9:14
